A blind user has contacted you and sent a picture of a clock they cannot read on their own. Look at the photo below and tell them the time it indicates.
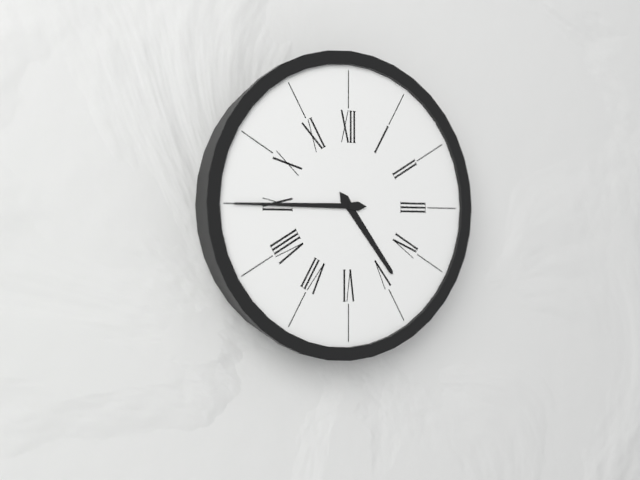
4:45
